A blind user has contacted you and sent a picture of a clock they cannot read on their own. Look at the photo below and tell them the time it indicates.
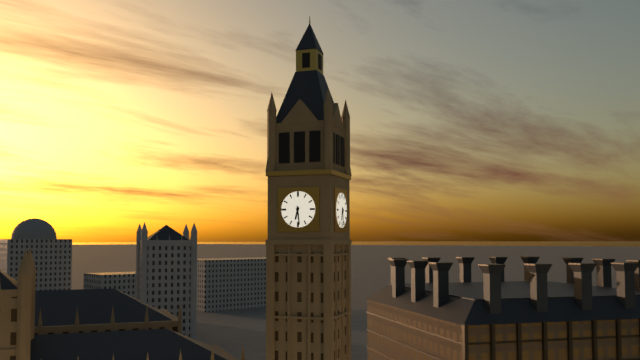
6:29
